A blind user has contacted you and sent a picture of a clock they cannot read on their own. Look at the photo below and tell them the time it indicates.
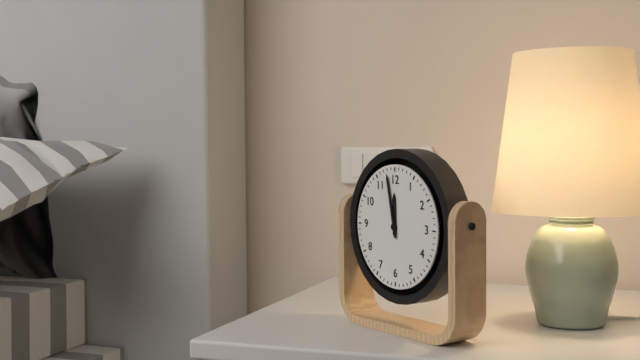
11:58
